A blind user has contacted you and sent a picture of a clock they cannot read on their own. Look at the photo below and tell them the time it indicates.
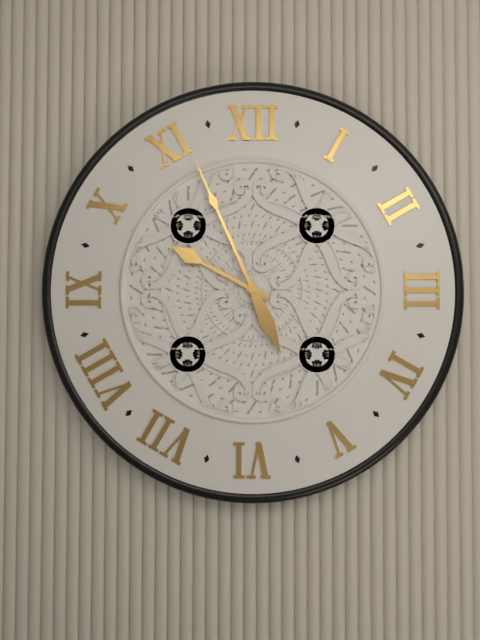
9:56
